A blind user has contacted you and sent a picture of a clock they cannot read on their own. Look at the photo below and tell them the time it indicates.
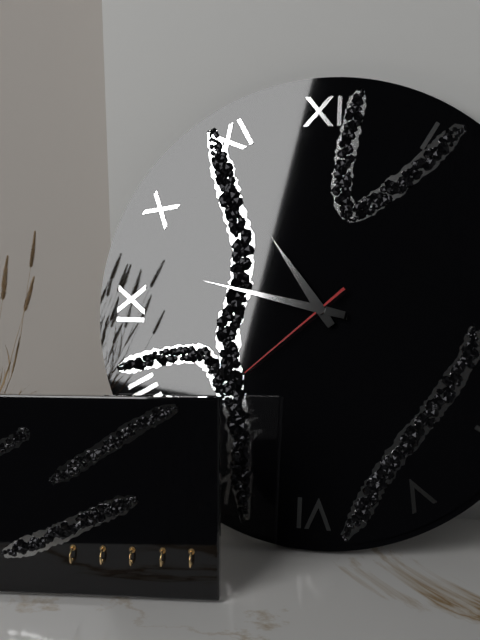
10:47:38
